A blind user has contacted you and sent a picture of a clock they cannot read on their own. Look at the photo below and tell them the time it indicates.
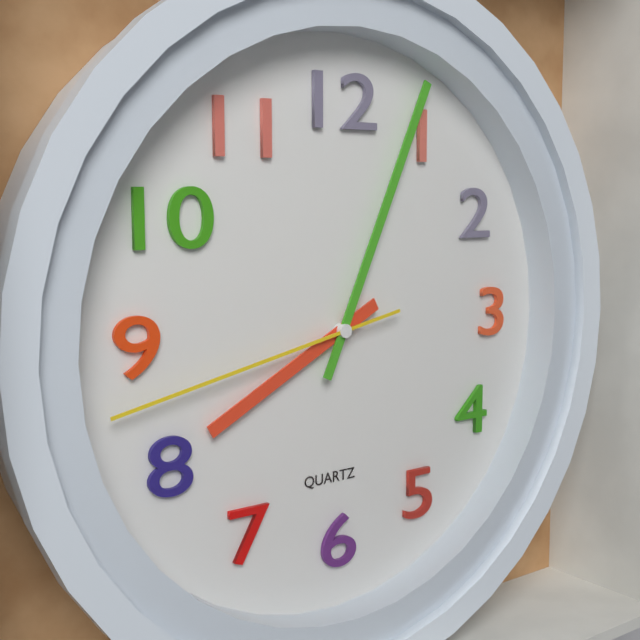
8:04:43
